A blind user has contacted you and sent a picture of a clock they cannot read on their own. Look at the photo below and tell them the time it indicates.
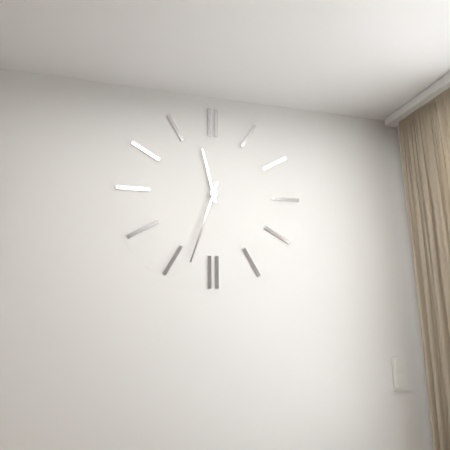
11:33
